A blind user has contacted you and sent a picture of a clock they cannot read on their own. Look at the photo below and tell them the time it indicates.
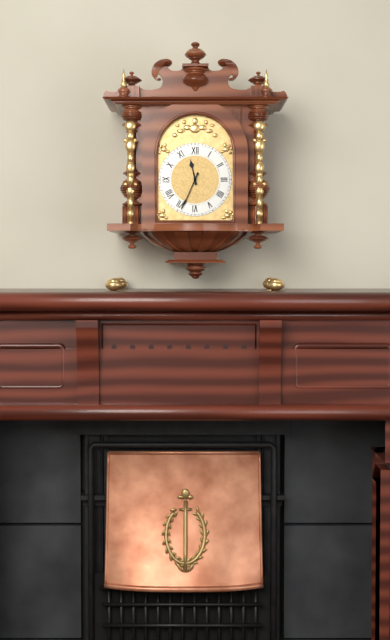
11:34
